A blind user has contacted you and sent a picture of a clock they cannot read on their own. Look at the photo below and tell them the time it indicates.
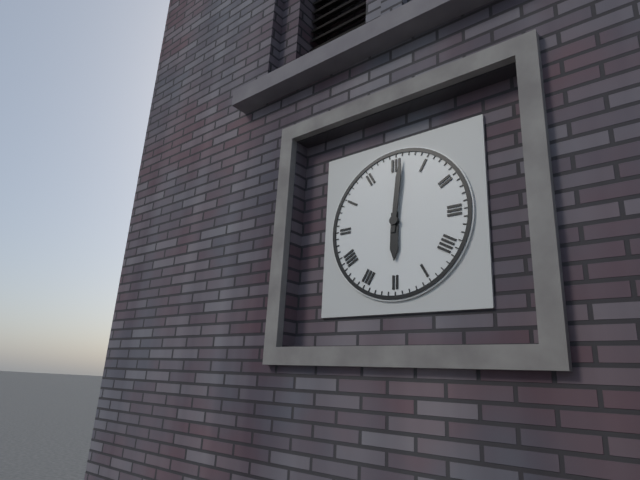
6:01
